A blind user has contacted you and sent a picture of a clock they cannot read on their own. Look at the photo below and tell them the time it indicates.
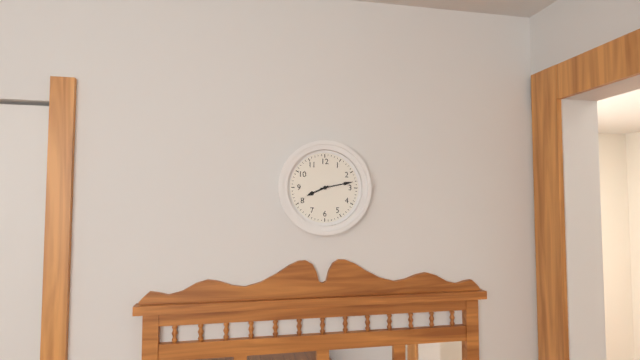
8:13
